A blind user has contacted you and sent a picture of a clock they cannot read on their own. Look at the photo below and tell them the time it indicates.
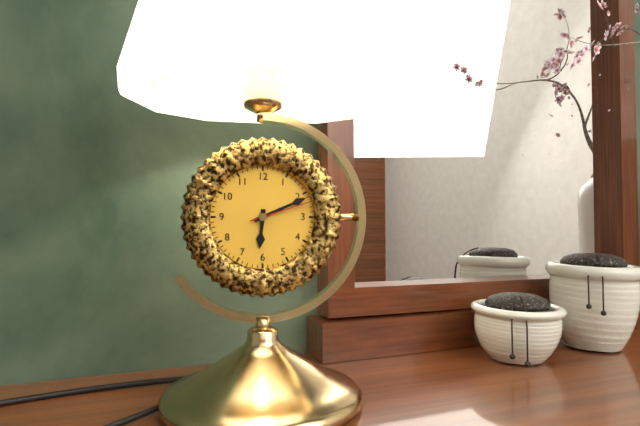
6:11:12
